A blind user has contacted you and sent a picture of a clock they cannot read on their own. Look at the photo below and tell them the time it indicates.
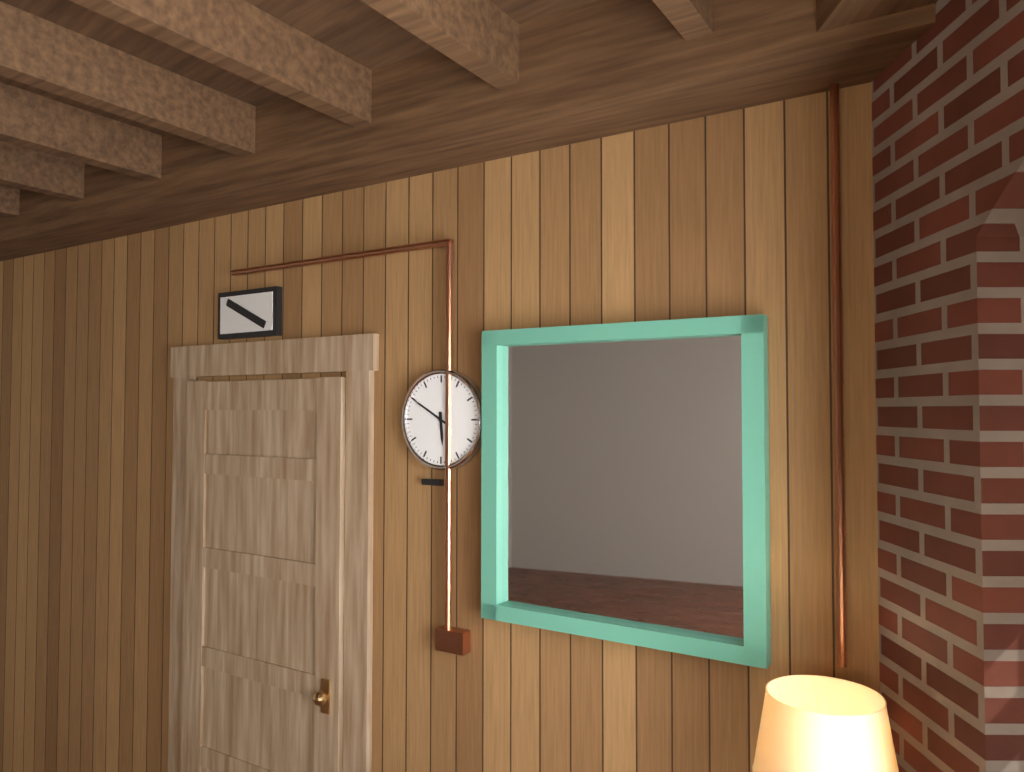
5:50
